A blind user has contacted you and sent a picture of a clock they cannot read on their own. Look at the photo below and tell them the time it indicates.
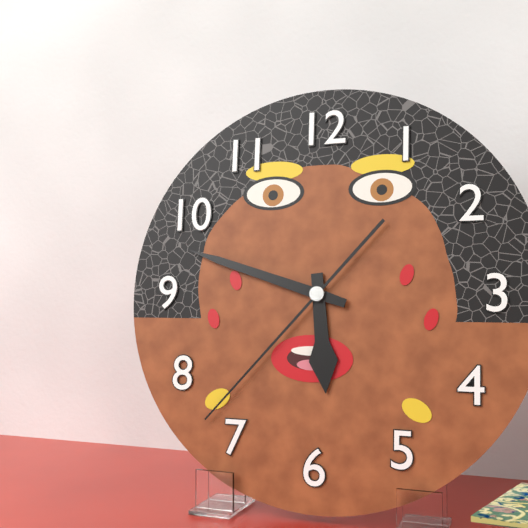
5:48:37
